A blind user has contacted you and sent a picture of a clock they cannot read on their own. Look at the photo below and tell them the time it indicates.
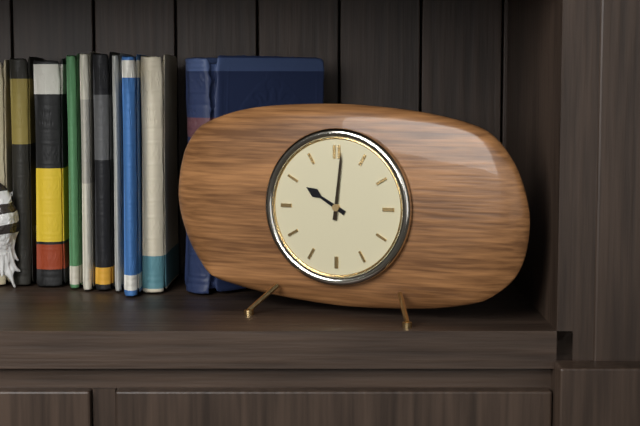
10:01
